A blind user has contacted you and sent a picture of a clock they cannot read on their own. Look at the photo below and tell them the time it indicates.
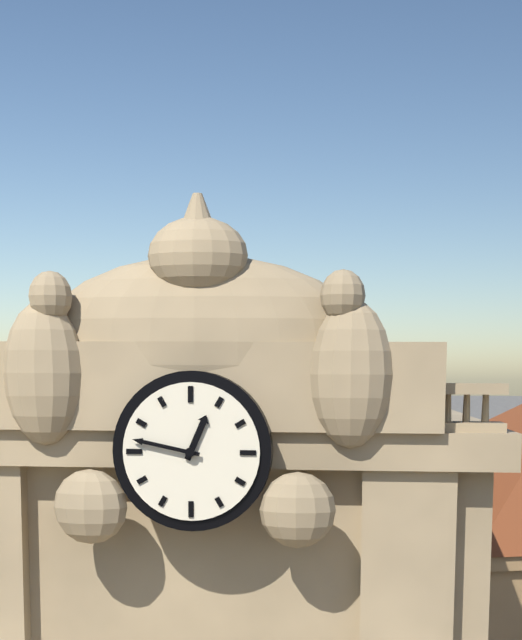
12:47
